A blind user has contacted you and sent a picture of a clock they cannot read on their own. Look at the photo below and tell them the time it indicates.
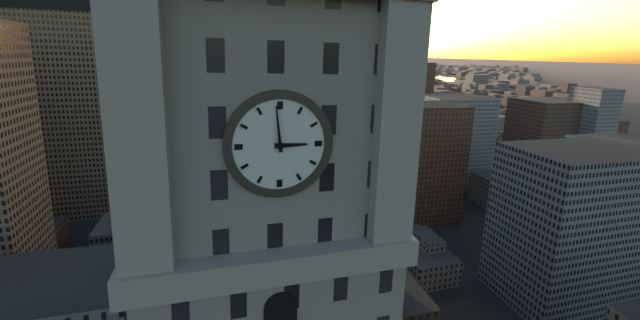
2:59
